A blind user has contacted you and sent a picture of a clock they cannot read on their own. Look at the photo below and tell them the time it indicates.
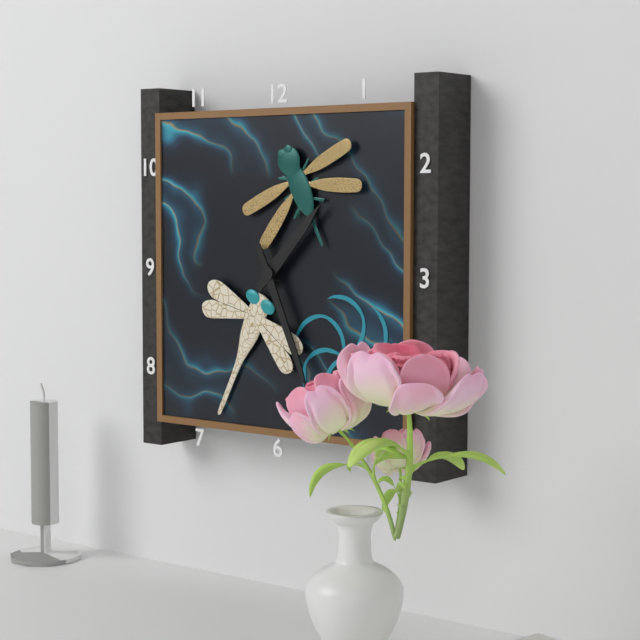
1:26
